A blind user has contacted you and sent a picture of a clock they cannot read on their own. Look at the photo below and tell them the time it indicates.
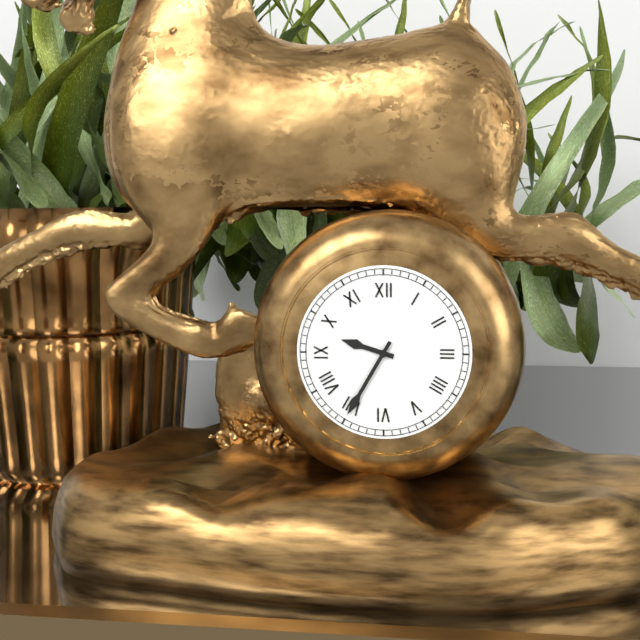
9:35
